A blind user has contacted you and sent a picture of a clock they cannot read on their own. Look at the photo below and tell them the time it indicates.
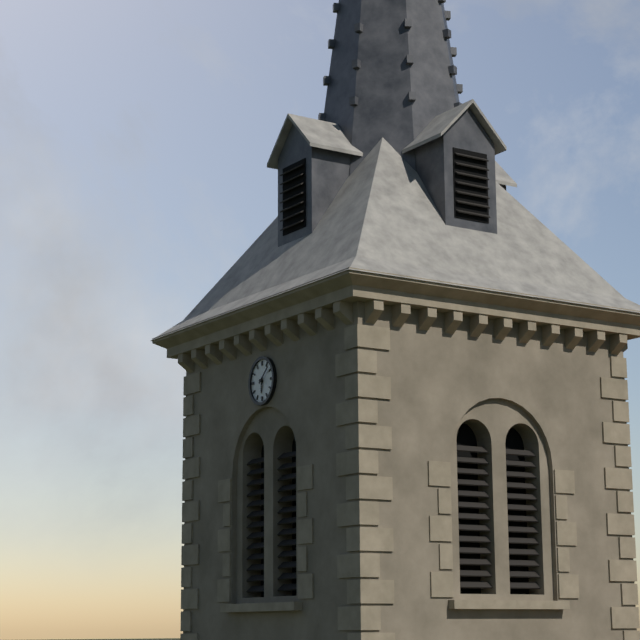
6:08
